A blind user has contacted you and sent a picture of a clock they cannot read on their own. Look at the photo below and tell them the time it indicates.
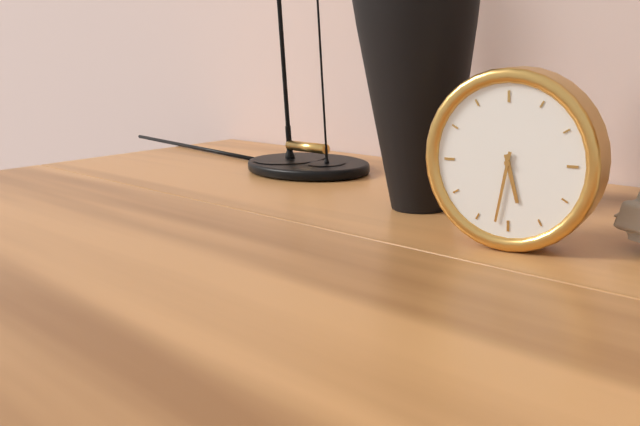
5:32
